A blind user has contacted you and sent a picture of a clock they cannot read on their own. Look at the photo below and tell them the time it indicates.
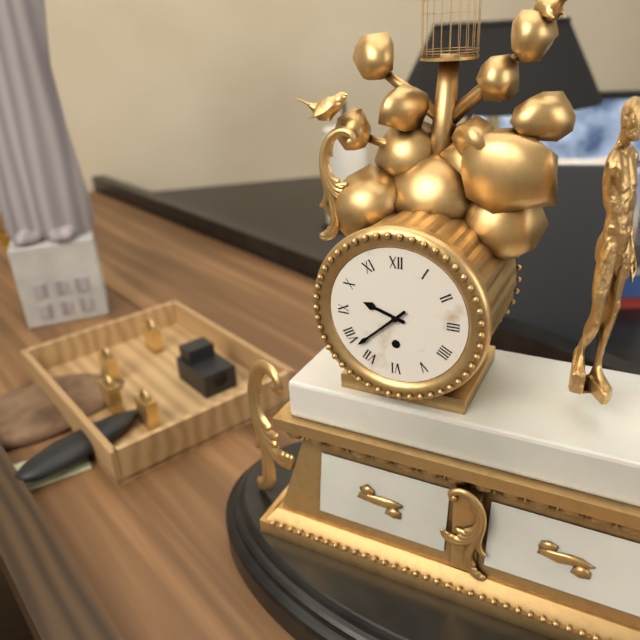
9:38
